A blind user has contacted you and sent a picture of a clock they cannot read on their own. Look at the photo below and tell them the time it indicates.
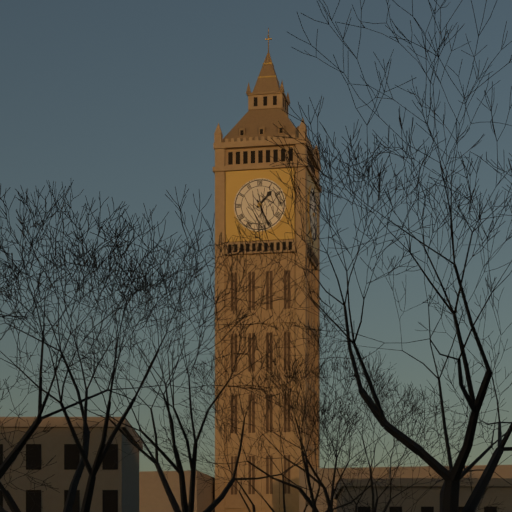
1:26
